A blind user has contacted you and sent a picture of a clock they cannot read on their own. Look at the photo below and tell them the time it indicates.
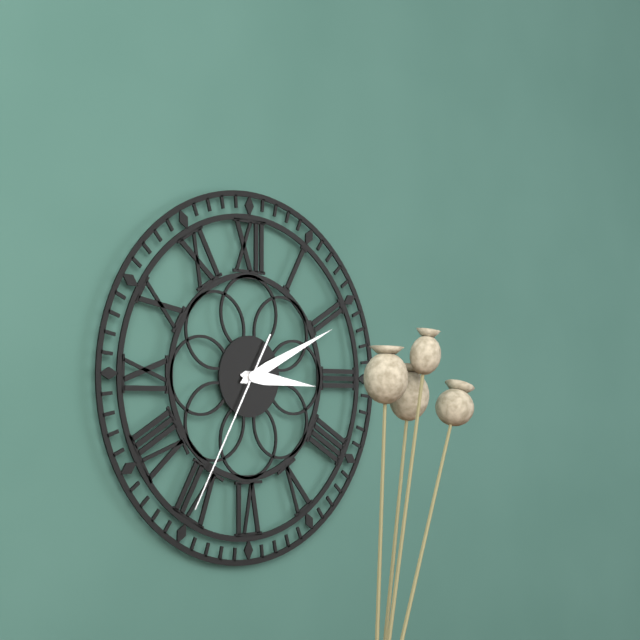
3:11:35
